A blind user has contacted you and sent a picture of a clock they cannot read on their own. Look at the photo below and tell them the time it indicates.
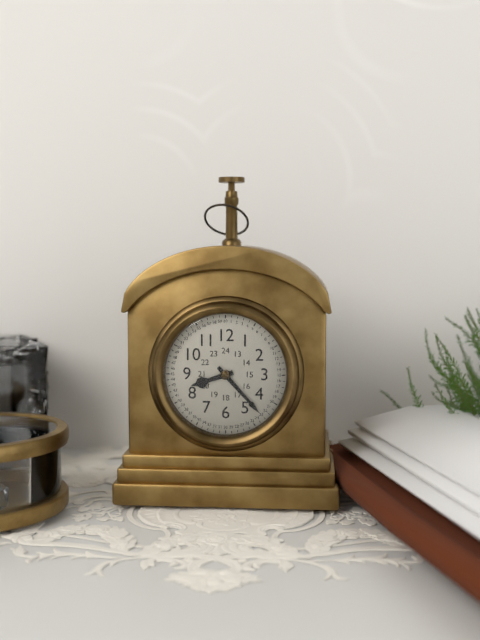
8:23
